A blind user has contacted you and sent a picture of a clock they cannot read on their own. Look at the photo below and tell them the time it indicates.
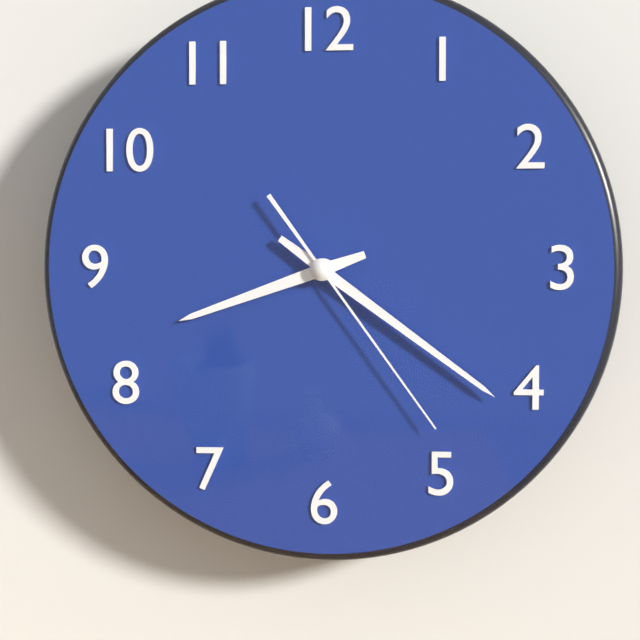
8:21:24
